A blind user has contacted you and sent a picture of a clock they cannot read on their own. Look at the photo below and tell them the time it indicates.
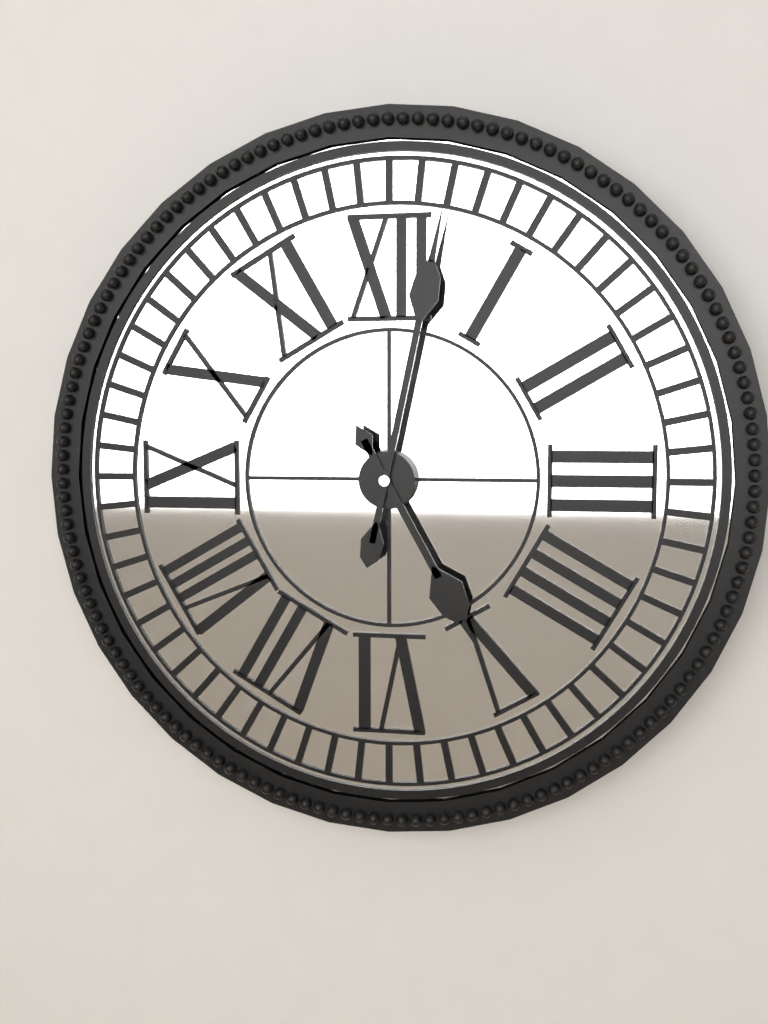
5:02
